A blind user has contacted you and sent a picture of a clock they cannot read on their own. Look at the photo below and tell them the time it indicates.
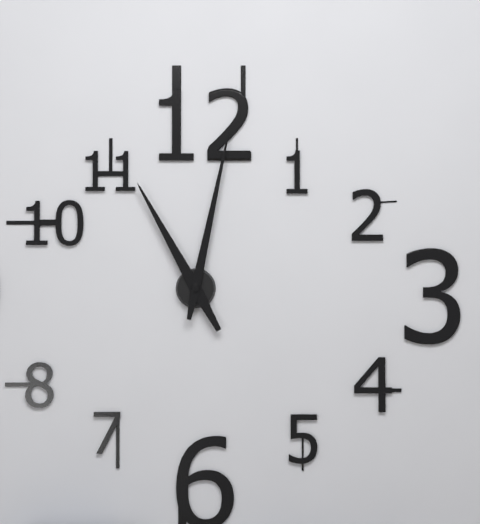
11:02
